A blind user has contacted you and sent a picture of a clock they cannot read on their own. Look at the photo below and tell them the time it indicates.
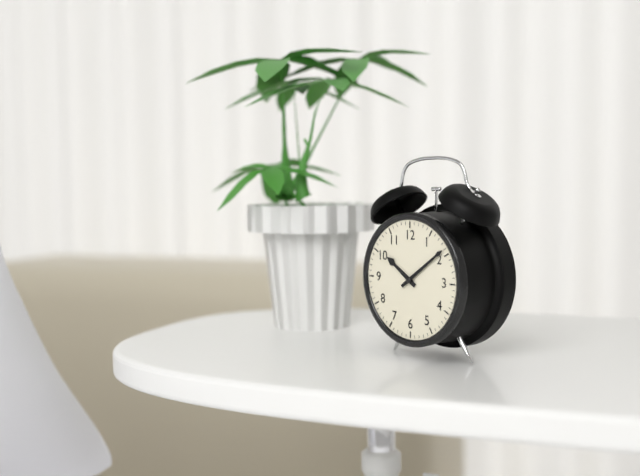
10:09
